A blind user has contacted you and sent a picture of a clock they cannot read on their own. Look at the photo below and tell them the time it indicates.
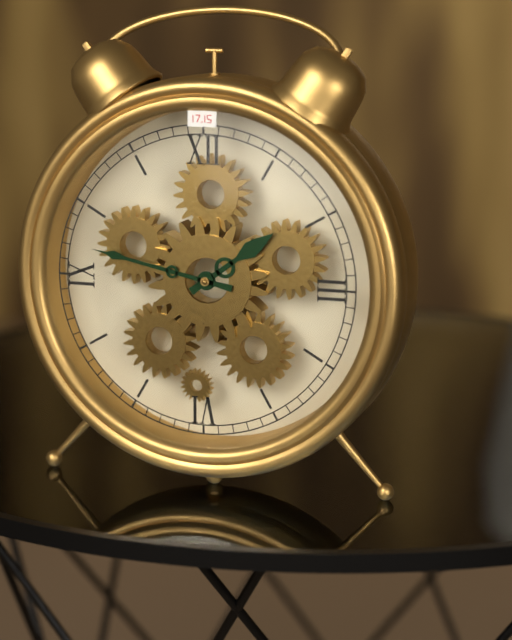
1:47
